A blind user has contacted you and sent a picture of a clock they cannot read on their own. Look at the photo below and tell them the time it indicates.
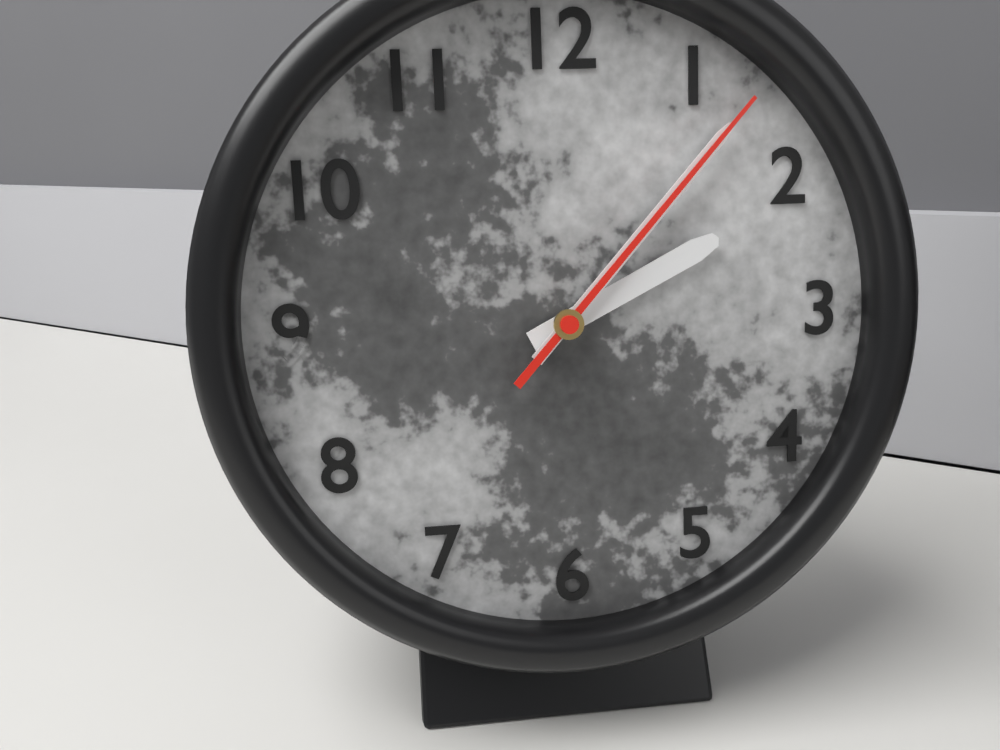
2:07:07
